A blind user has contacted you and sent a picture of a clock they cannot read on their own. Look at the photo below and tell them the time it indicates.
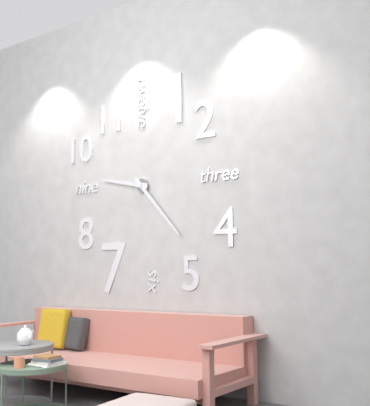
9:23
